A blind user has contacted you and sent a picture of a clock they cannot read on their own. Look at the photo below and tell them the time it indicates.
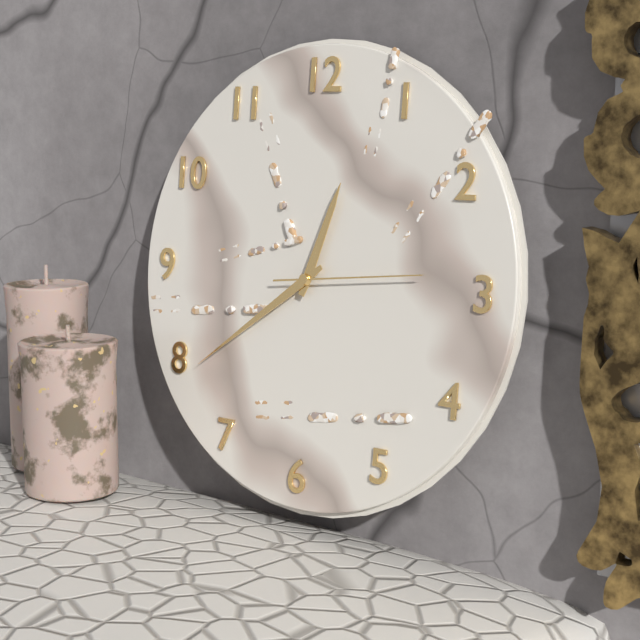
12:39:14
